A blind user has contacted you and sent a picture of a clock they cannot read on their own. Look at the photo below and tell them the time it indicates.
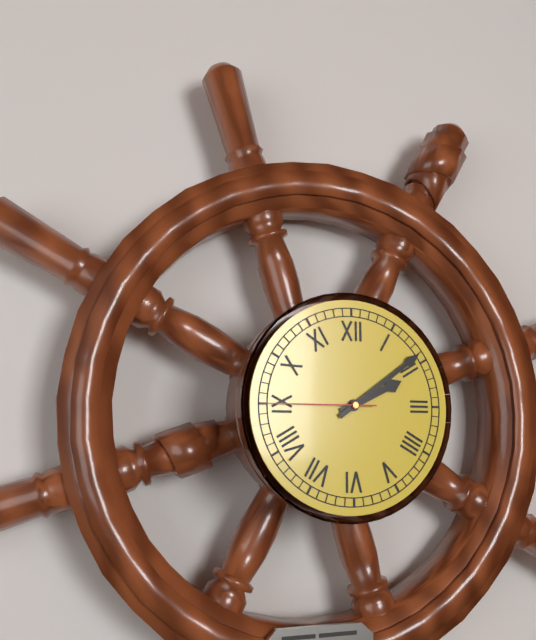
2:09:45
